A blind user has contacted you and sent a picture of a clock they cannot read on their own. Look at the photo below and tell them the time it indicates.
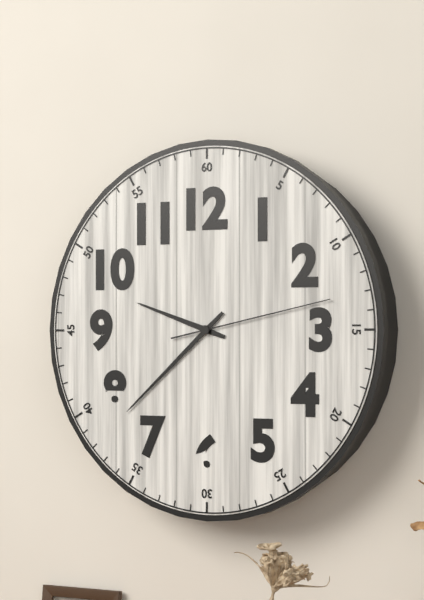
9:38:13
